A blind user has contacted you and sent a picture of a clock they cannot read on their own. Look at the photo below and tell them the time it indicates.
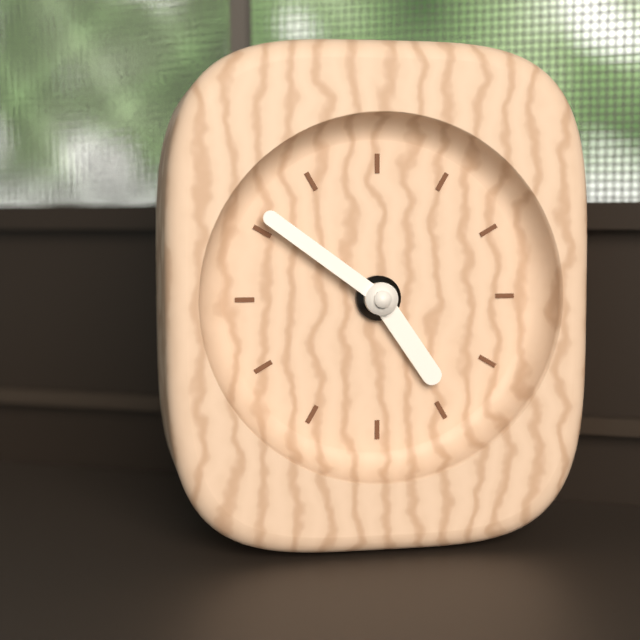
4:51
